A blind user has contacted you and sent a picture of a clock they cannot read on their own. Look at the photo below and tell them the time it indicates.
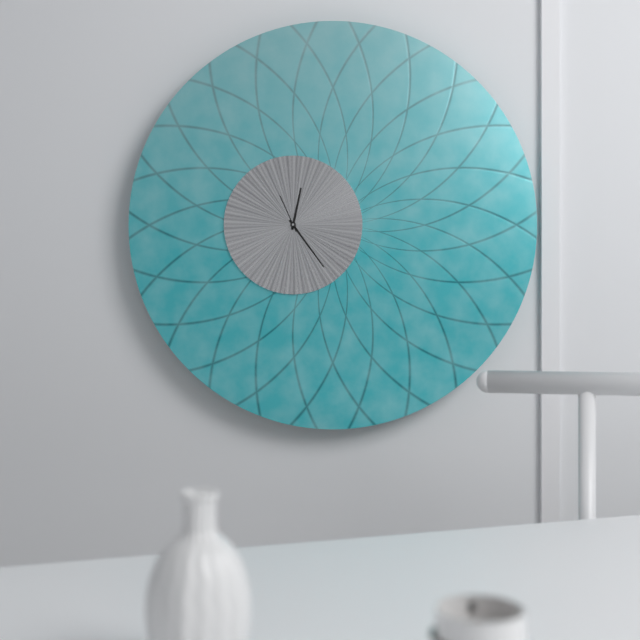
12:24
